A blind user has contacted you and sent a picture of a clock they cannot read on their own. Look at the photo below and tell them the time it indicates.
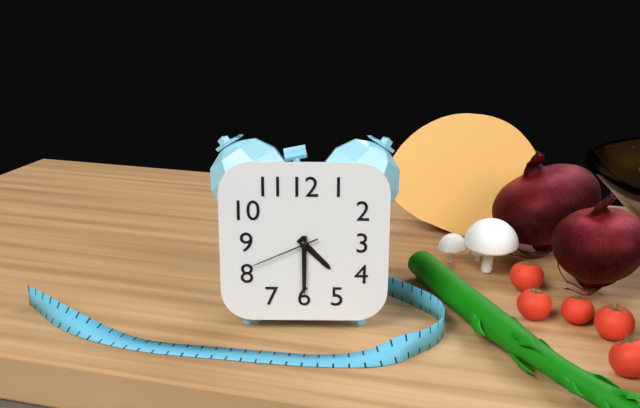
4:30:41
